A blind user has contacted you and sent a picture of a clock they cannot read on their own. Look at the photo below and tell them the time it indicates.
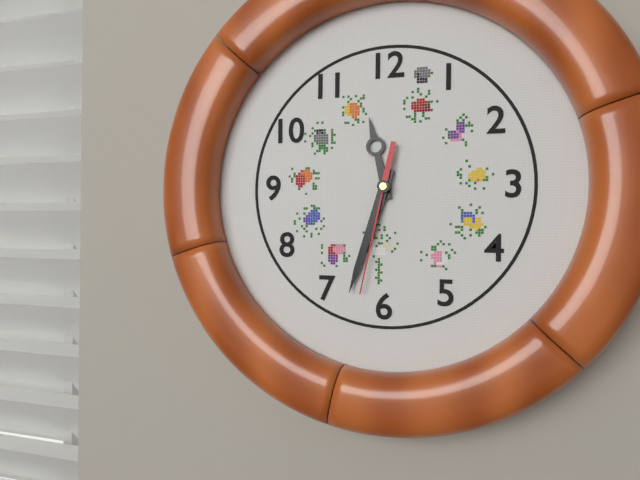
11:33:32
